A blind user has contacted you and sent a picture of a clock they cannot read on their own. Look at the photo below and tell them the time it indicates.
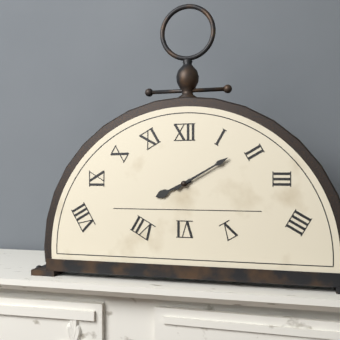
8:10
